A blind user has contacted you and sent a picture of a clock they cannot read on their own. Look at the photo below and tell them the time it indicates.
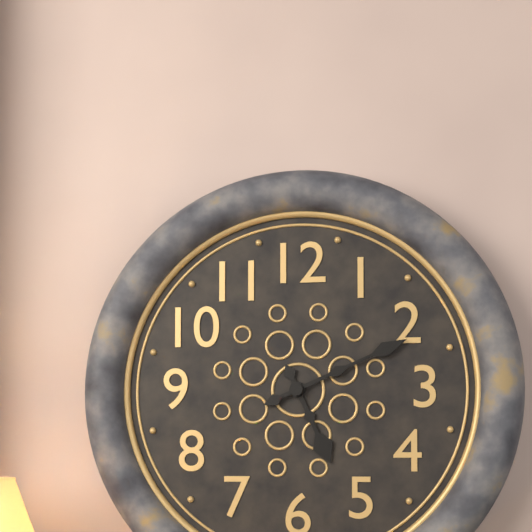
5:11
